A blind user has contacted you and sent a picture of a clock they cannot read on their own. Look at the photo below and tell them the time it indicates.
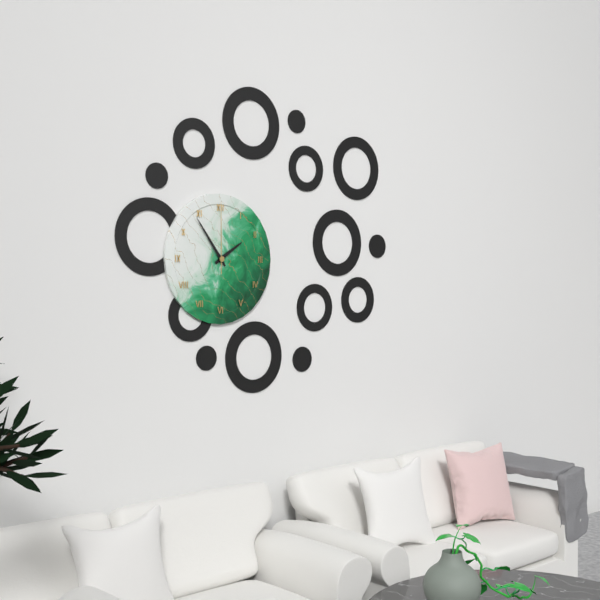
1:54:00
